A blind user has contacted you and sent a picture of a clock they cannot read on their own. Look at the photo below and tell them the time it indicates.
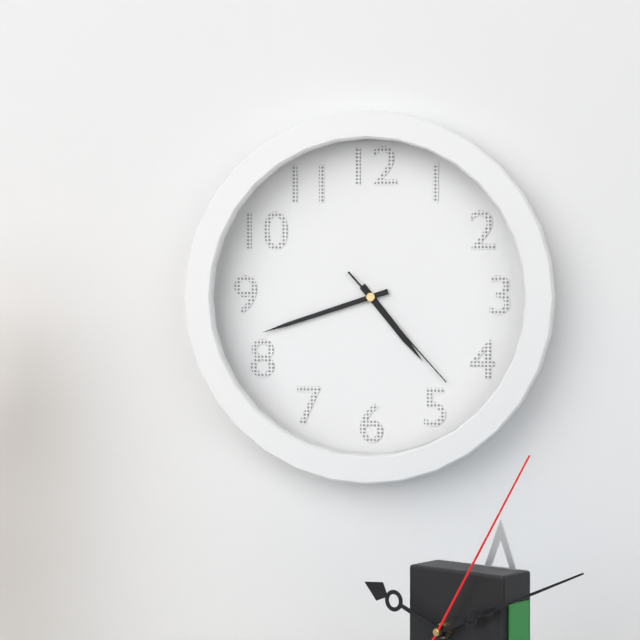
4:42:23
